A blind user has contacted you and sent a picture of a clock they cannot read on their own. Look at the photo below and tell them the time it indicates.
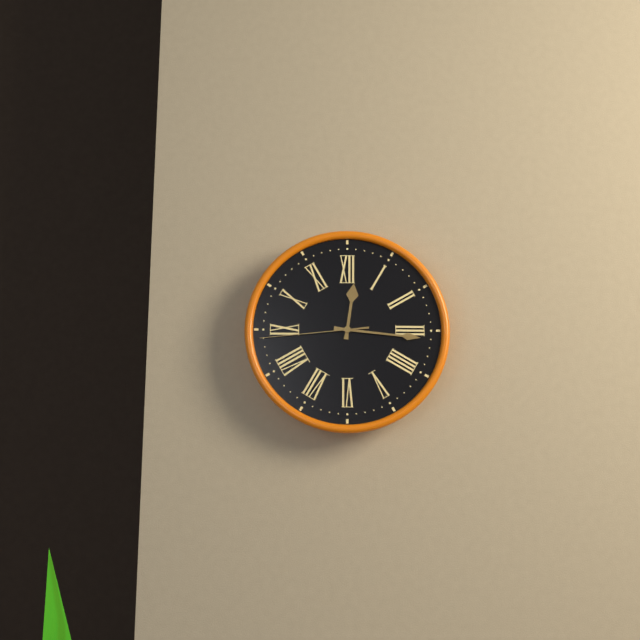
12:16:44
